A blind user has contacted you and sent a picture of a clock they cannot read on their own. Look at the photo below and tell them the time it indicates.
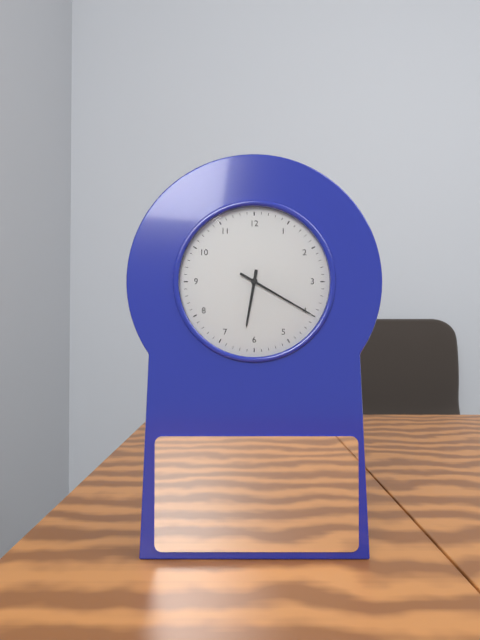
6:20
